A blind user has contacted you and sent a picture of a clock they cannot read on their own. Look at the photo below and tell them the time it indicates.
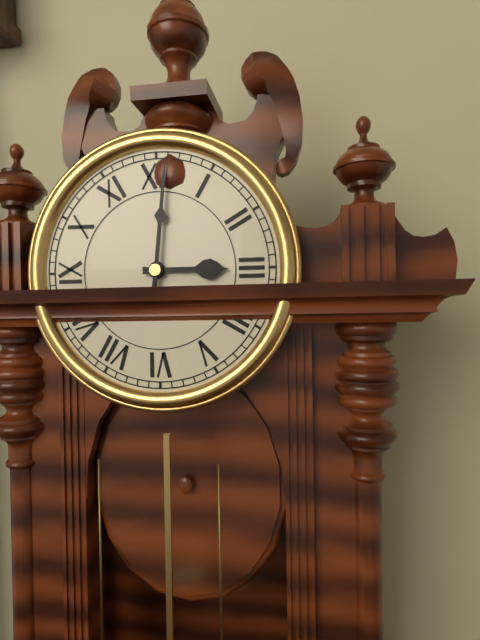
3:01
